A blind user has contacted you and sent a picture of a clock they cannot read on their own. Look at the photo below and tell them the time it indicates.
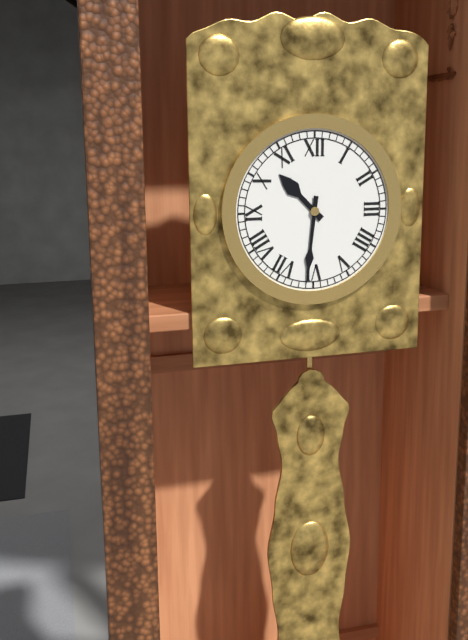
10:31
